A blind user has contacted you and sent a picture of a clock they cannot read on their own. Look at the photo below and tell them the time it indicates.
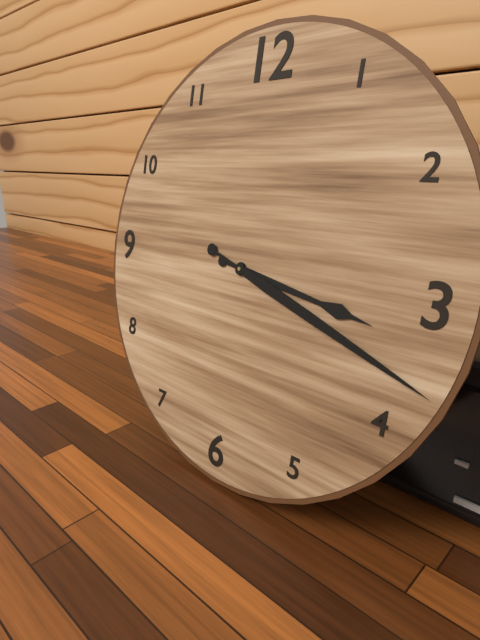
3:18
